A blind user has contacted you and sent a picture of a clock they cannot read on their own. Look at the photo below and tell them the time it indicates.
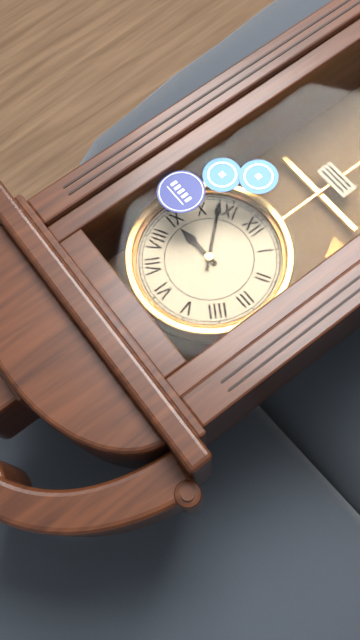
8:53
